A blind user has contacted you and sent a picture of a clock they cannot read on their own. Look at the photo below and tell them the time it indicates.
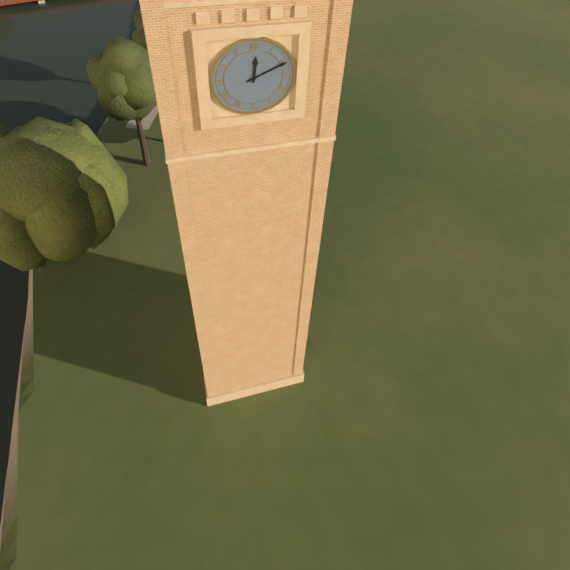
12:11
